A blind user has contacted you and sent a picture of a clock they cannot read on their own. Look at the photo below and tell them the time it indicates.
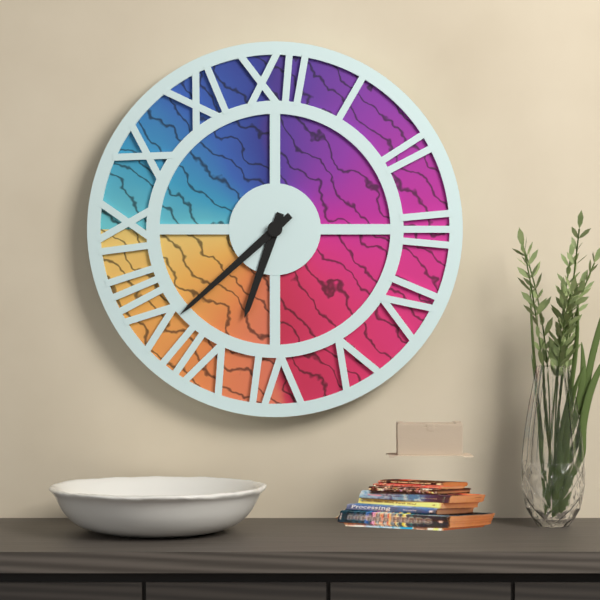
6:38
